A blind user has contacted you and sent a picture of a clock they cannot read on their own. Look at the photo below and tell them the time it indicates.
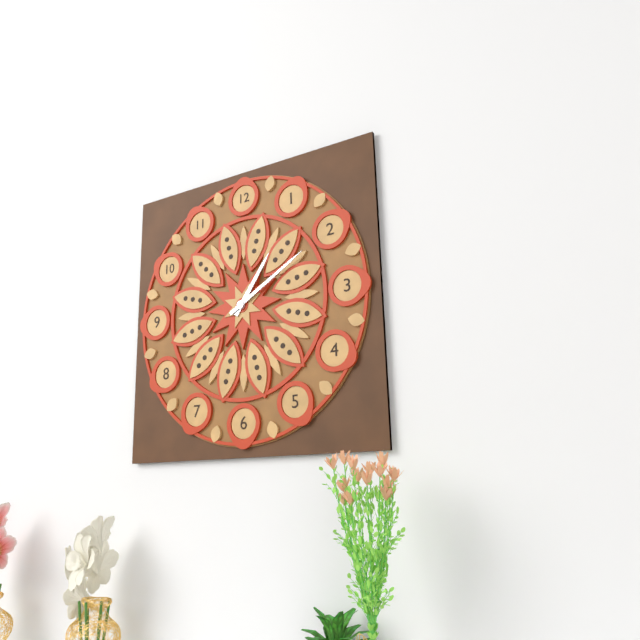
1:10
